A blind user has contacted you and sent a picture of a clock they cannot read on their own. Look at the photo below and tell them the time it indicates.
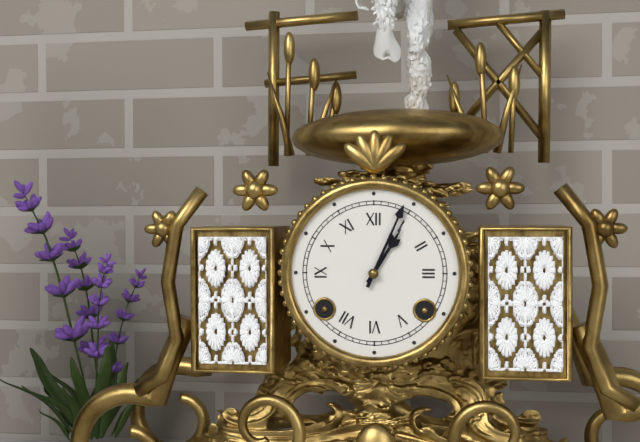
1:04
